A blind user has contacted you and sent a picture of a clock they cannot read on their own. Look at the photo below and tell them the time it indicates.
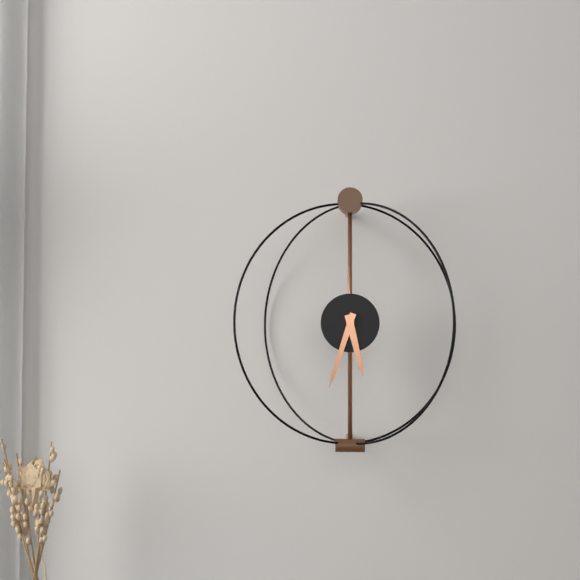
5:33
